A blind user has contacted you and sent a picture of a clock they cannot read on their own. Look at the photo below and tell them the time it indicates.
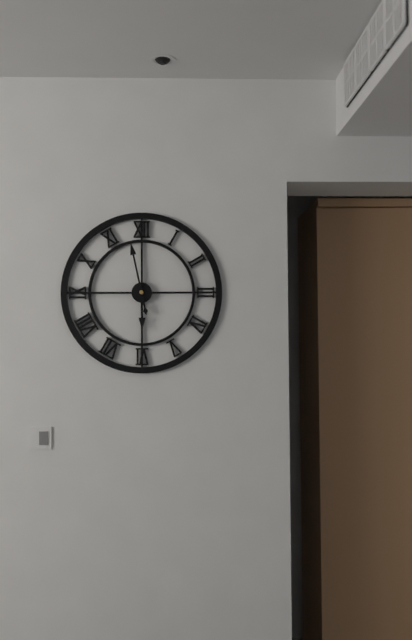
5:58
